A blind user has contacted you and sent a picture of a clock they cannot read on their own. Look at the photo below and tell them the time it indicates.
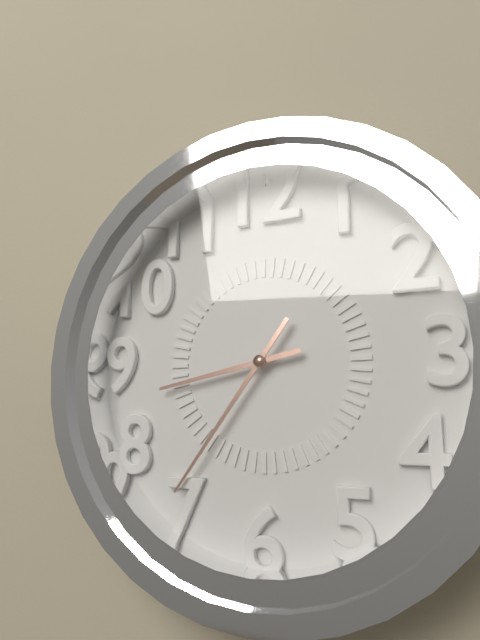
8:36
